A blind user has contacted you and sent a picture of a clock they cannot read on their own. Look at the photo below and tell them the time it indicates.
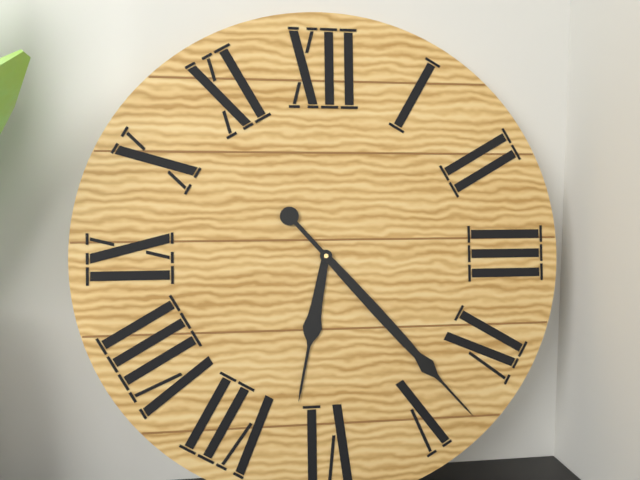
6:23
